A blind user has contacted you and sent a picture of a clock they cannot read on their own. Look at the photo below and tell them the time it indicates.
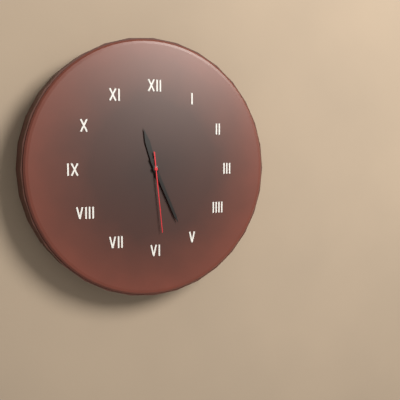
11:26:29
